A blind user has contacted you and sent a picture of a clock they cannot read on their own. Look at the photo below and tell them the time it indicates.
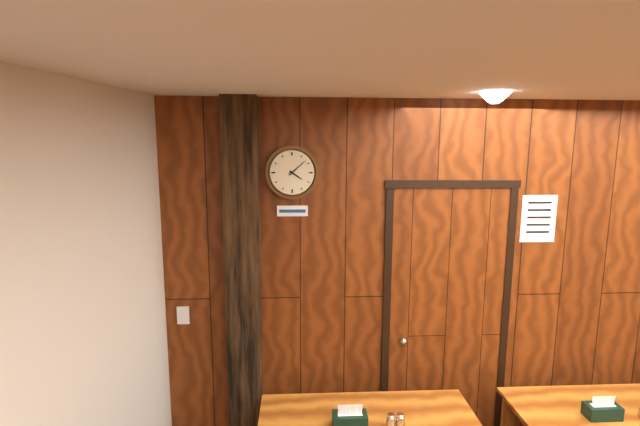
4:08
